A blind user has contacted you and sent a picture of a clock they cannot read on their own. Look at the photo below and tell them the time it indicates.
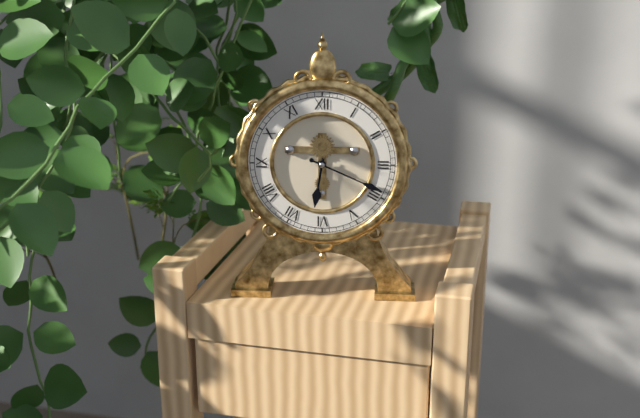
6:19
